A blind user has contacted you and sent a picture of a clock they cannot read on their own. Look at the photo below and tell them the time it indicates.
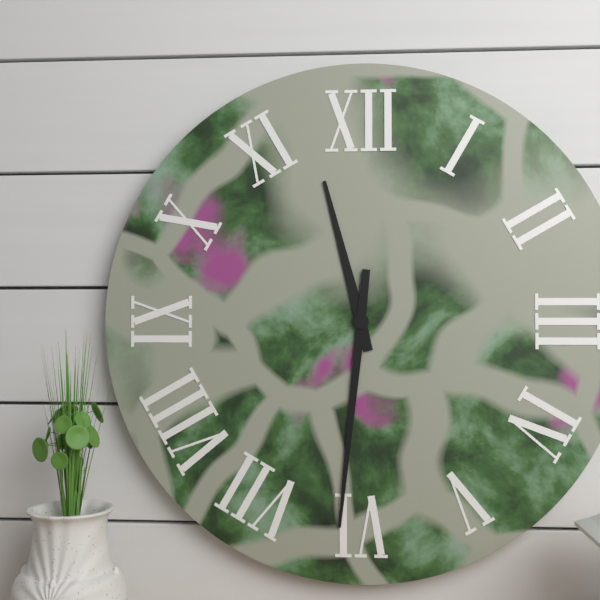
11:31
